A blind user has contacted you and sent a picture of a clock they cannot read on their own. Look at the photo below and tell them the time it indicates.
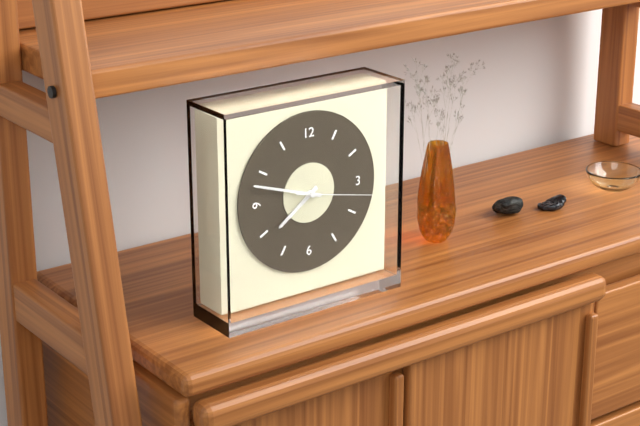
7:48:17
